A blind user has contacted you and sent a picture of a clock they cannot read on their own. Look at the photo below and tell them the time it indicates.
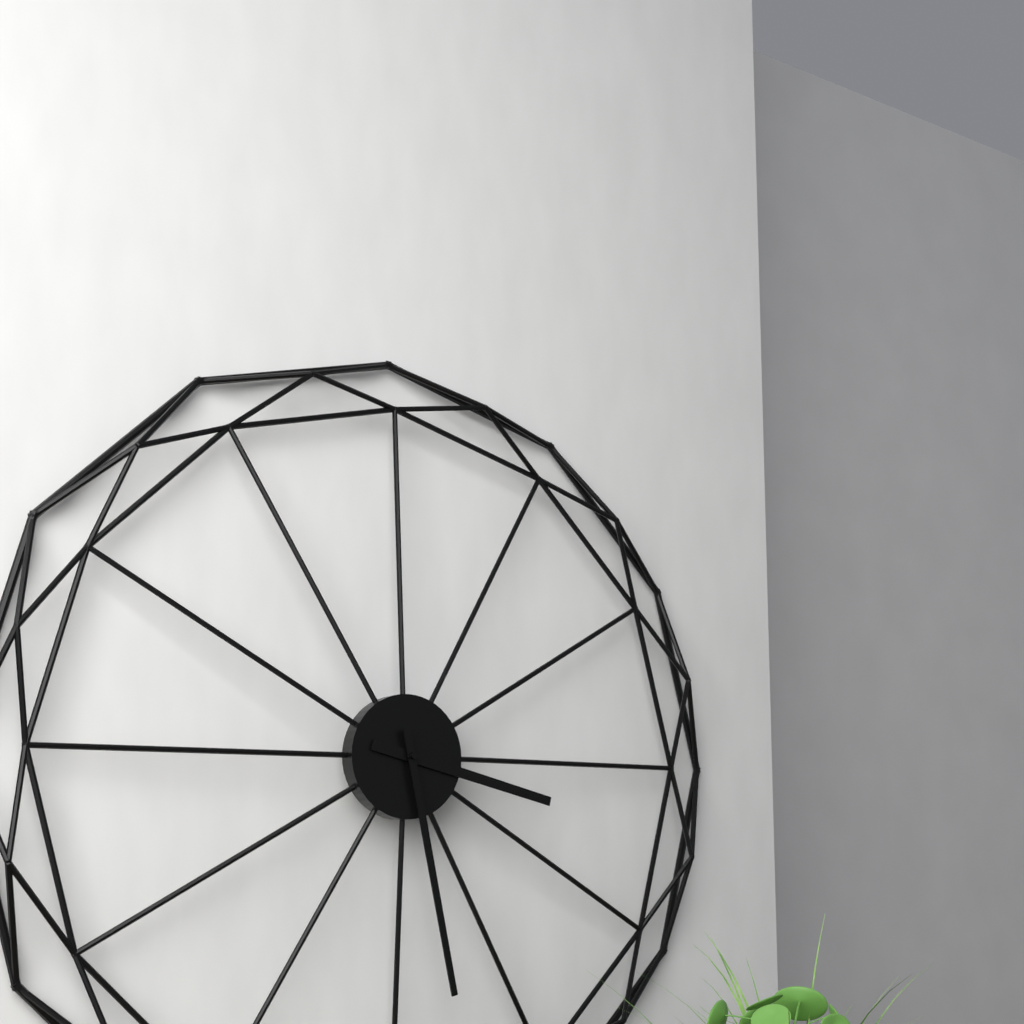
3:28
